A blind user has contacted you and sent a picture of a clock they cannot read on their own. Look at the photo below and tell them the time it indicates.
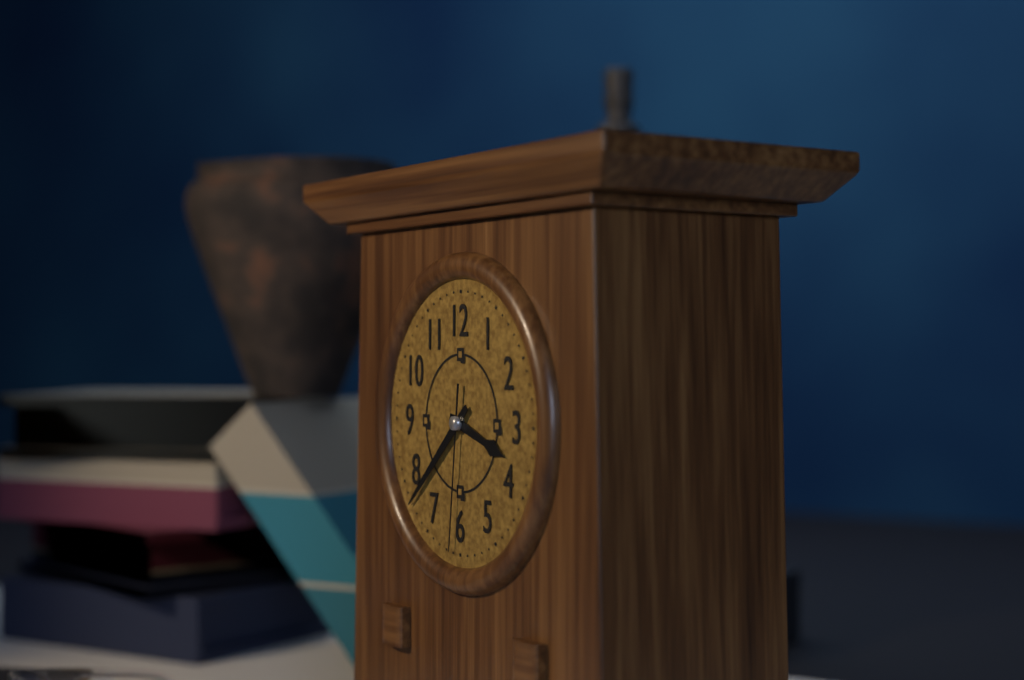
3:38:31
